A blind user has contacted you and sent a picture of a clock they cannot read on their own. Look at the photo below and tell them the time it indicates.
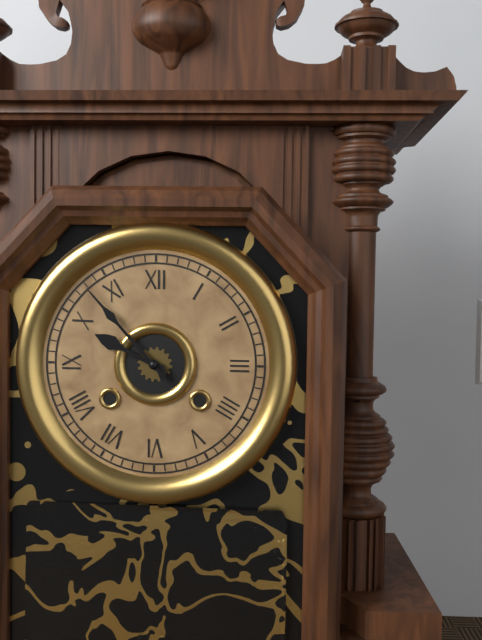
9:53
